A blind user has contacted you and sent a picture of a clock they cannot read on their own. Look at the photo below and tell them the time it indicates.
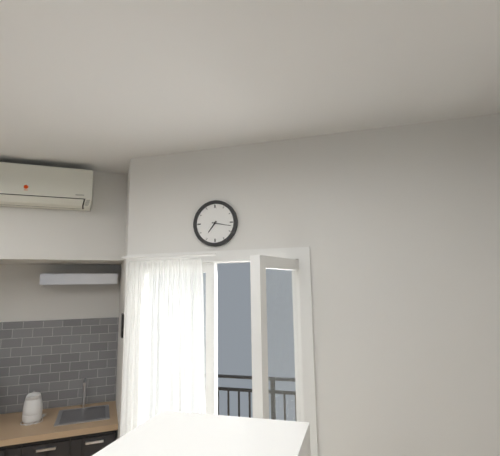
7:17
